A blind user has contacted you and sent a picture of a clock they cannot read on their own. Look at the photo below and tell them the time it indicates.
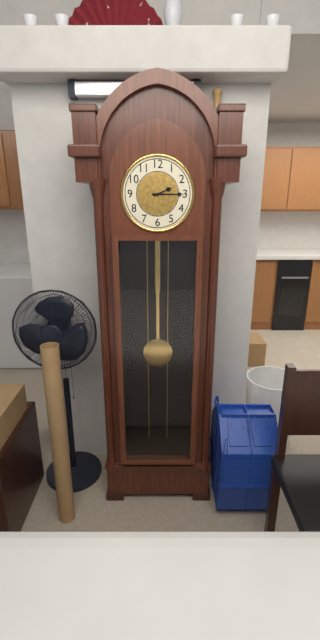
2:15
